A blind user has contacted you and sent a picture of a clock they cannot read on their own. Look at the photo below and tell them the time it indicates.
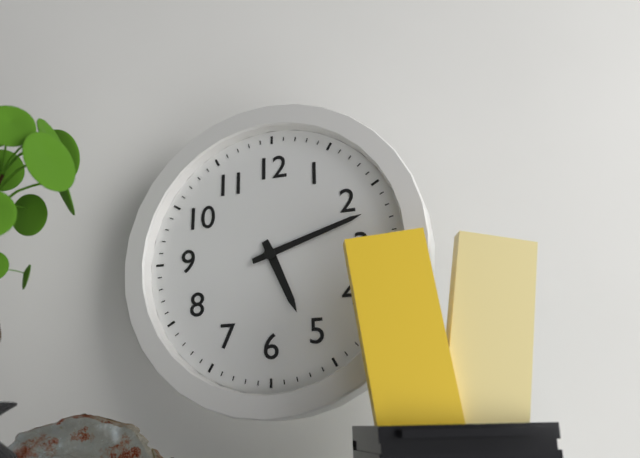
5:12
